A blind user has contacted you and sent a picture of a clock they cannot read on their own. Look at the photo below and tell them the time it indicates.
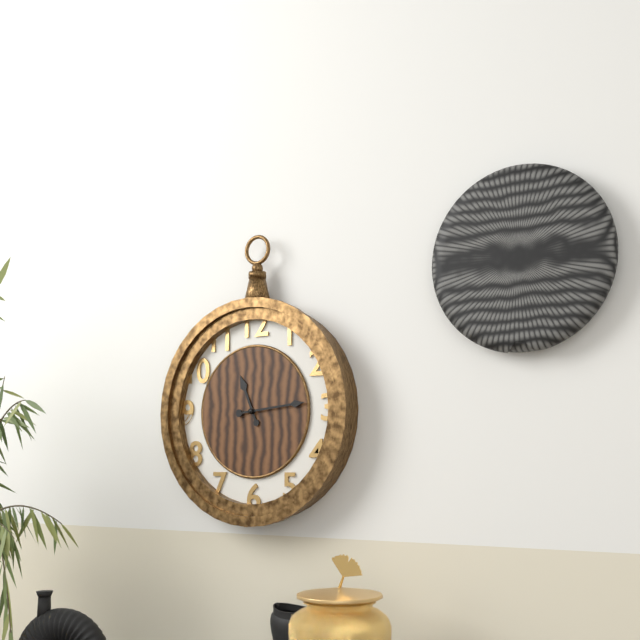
11:14
